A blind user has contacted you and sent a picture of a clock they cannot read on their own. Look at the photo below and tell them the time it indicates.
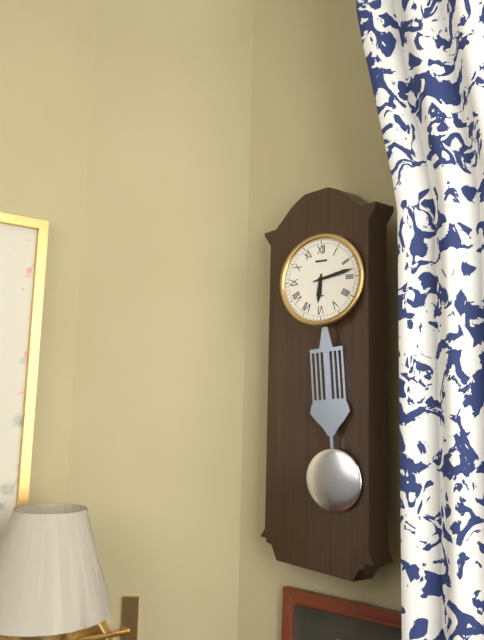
6:13
